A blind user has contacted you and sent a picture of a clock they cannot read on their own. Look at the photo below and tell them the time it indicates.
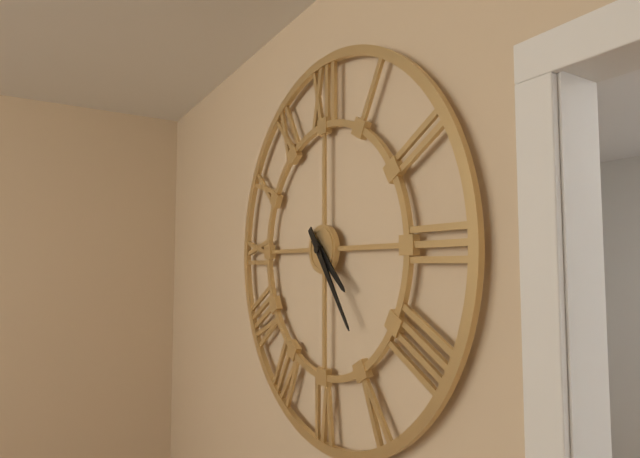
4:24
